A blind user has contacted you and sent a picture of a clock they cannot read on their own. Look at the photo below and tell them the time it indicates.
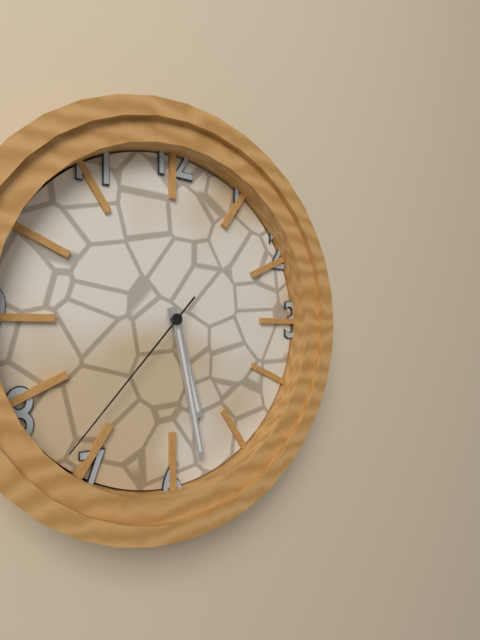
5:28:37
